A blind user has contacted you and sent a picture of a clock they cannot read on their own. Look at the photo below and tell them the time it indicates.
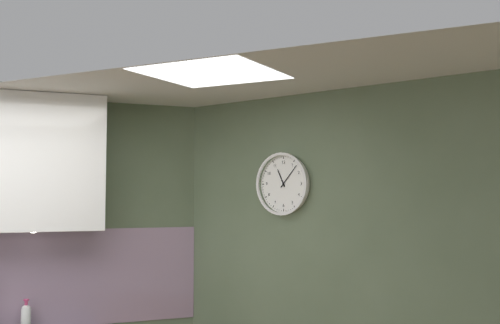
11:07
